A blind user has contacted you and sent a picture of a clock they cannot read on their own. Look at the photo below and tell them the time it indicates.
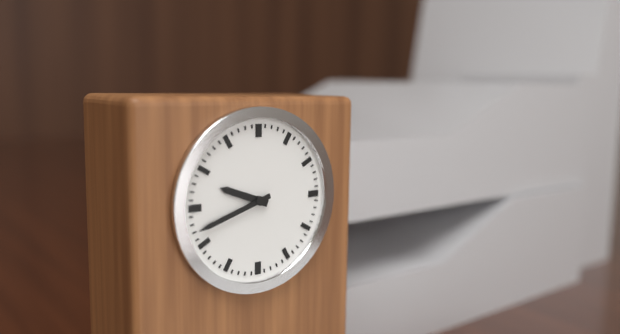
9:42
